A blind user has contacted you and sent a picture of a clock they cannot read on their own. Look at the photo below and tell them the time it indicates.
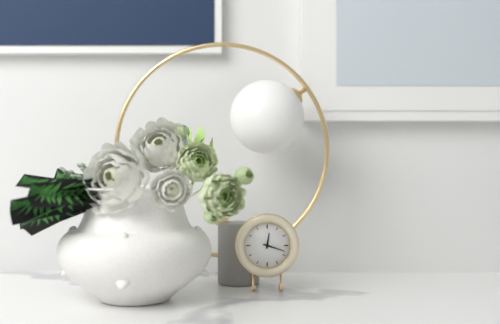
12:18
